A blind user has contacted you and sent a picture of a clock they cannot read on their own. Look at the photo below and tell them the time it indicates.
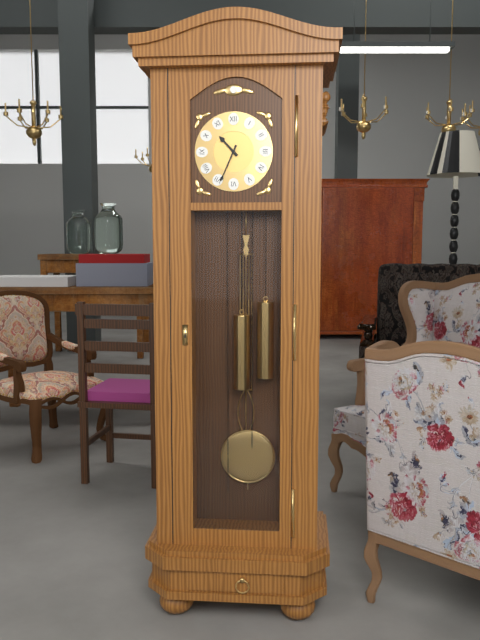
10:34
